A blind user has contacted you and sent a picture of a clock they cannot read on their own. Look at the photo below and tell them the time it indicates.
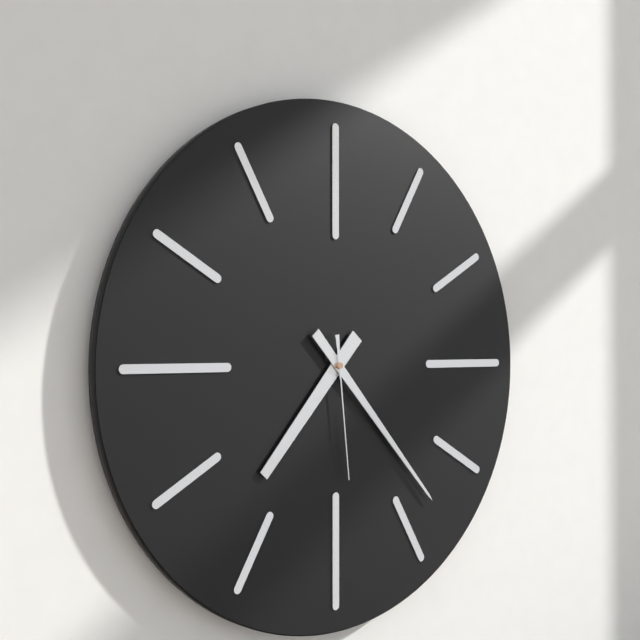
7:23:29
